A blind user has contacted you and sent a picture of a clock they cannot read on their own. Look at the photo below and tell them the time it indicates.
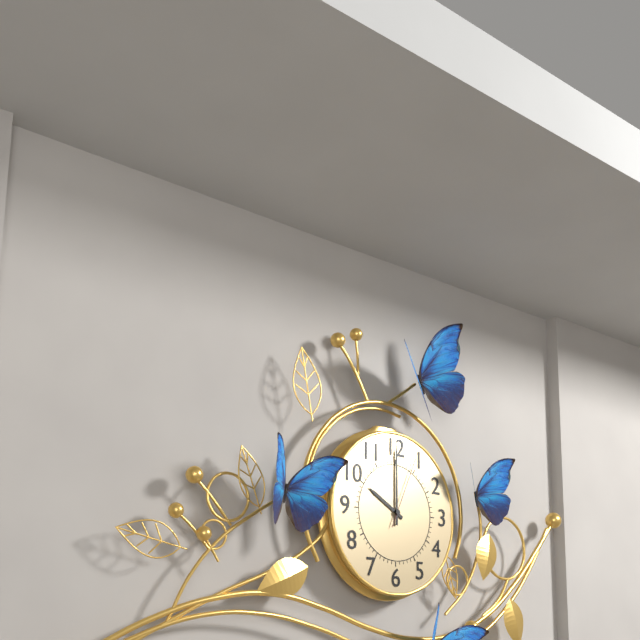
10:00:04
